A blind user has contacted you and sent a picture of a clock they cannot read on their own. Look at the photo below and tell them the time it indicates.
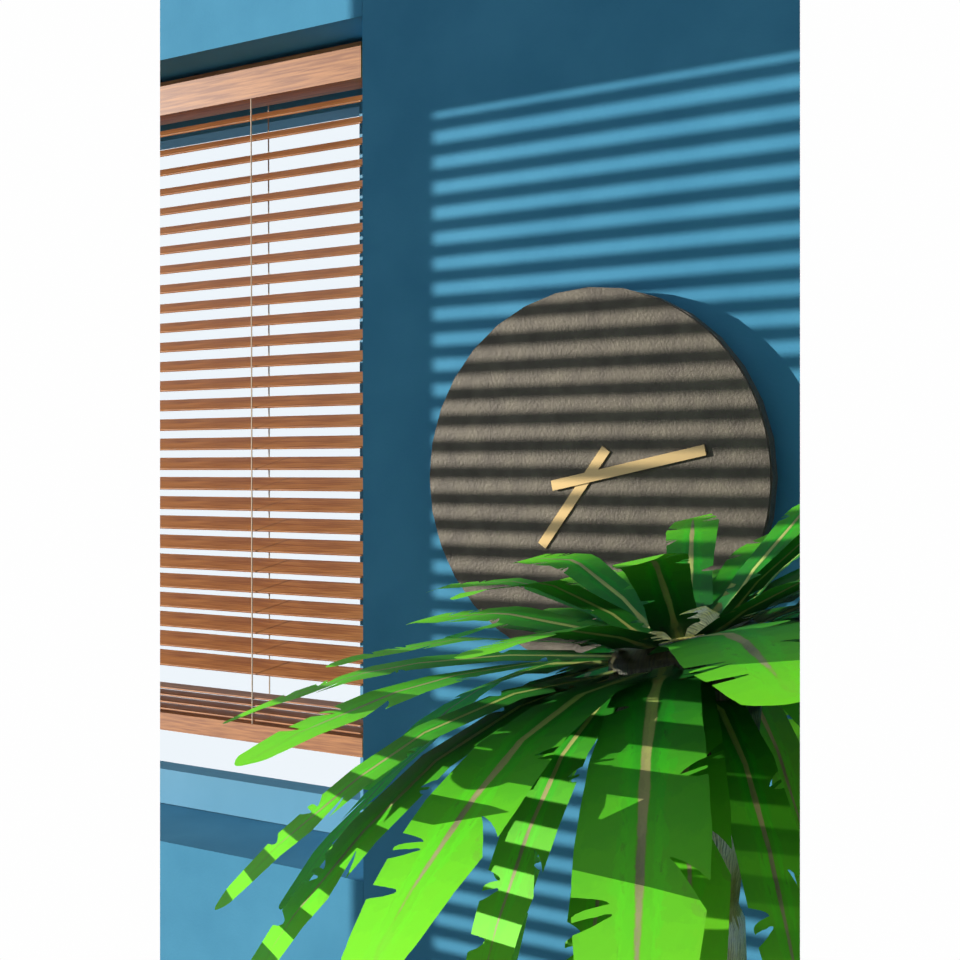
7:13
